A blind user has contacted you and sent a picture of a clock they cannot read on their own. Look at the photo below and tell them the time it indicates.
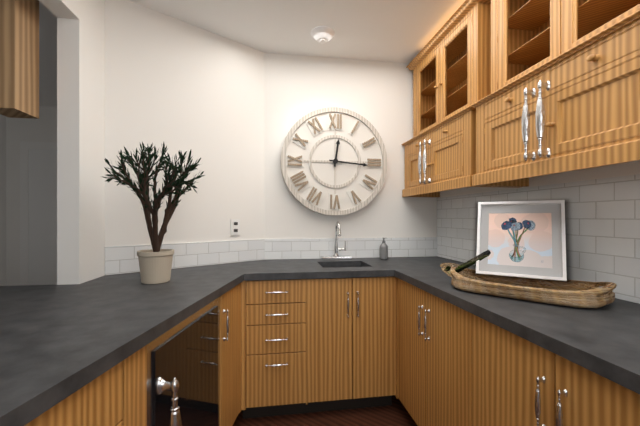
12:16
